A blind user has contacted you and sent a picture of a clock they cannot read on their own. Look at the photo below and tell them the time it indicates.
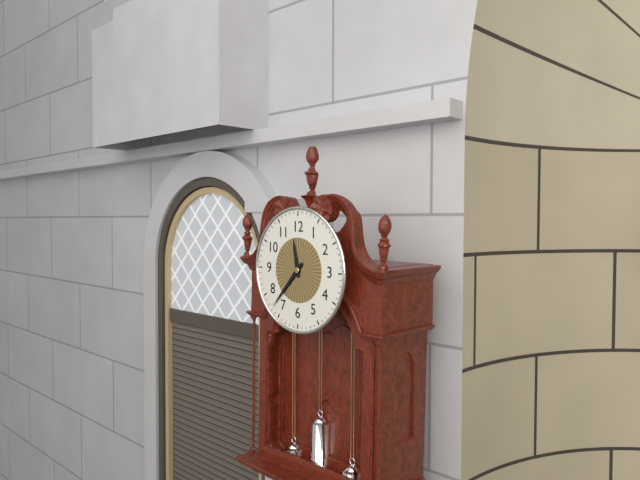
11:37
